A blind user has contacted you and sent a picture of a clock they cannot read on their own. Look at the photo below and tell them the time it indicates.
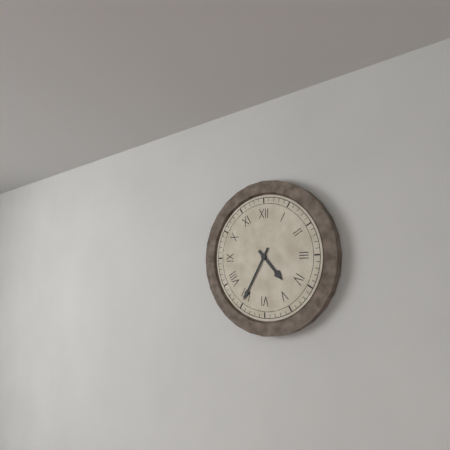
4:35
